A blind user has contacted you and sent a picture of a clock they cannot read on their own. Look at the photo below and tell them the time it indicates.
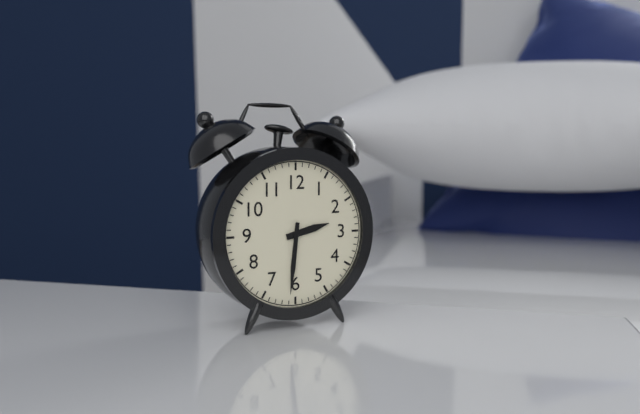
2:31
